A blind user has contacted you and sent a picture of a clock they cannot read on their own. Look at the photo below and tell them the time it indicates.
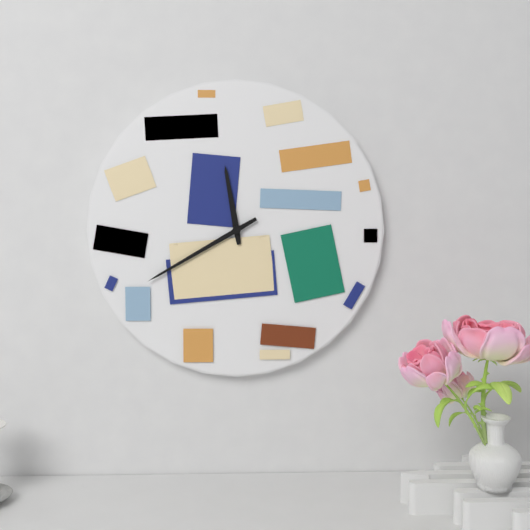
11:40
